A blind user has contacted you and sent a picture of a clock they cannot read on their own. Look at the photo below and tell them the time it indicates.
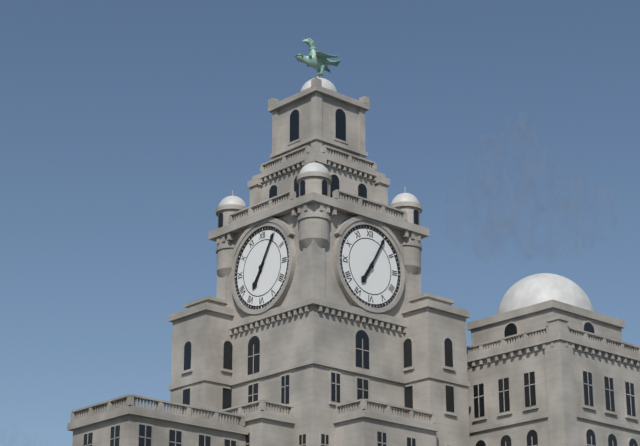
7:05
